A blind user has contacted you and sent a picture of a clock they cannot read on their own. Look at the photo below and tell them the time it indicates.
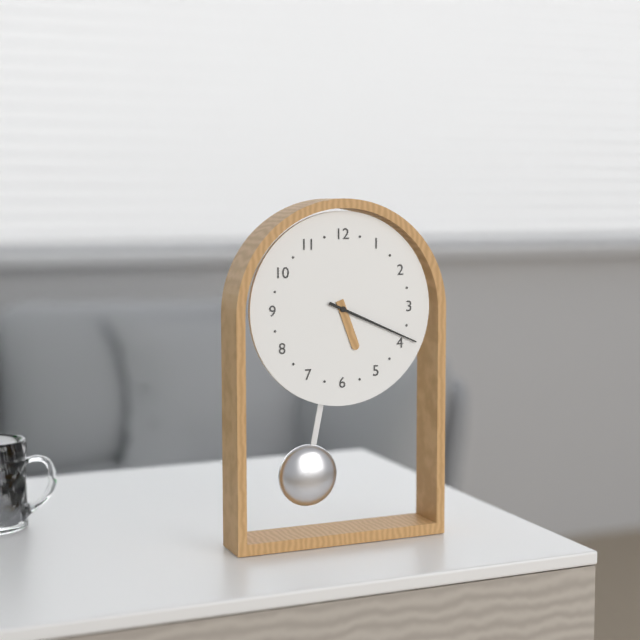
5:19
